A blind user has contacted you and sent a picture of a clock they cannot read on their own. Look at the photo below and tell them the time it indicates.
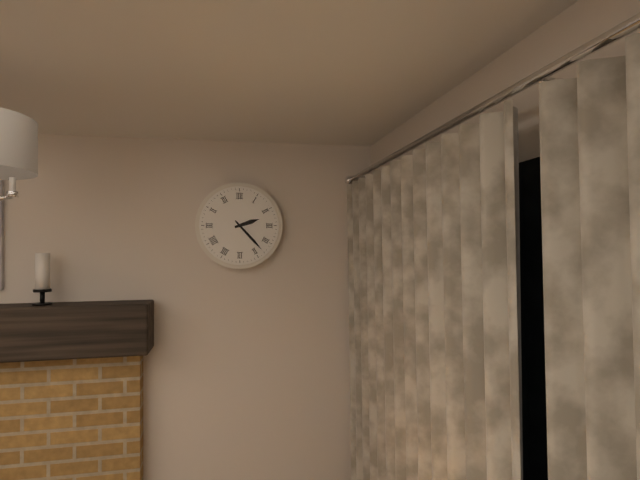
2:23
